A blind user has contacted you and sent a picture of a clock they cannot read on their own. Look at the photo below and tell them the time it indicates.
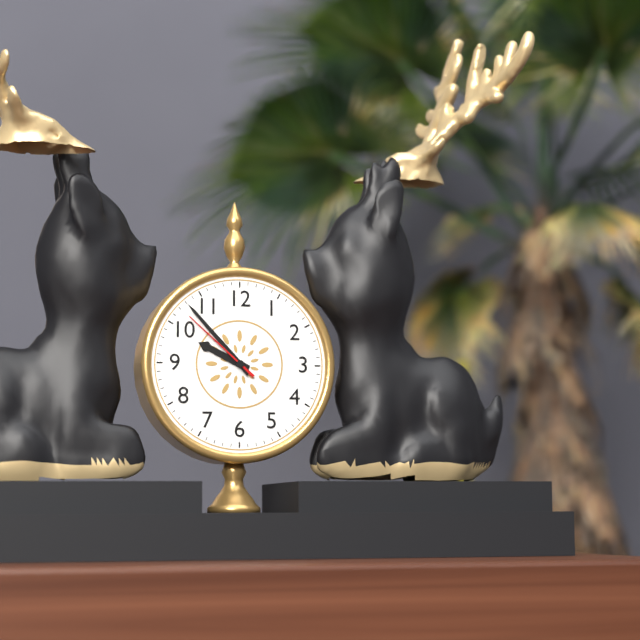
9:53:52
